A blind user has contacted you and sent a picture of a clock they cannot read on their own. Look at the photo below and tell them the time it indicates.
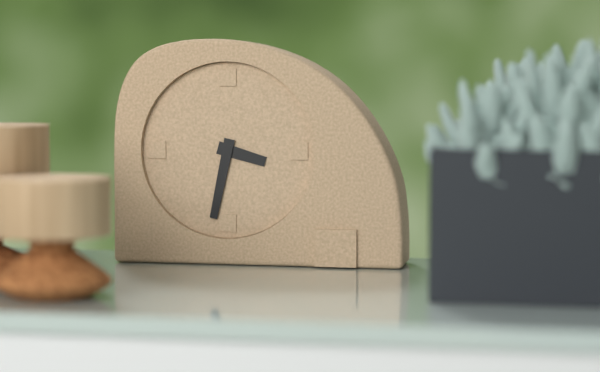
3:32
